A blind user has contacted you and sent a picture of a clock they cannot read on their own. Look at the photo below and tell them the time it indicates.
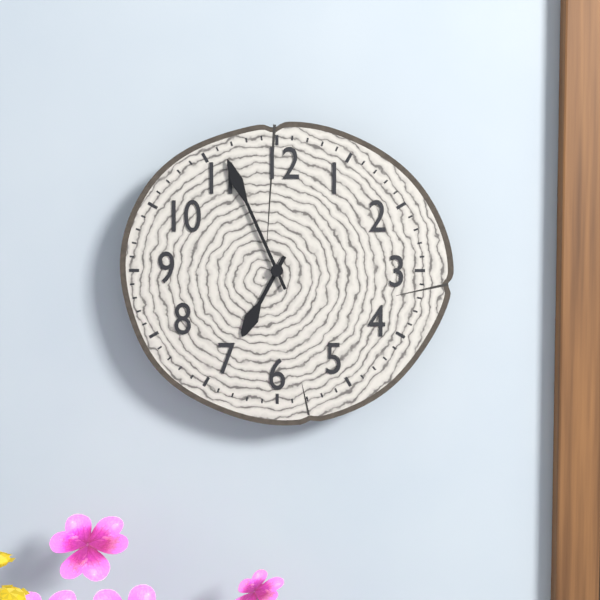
6:56
